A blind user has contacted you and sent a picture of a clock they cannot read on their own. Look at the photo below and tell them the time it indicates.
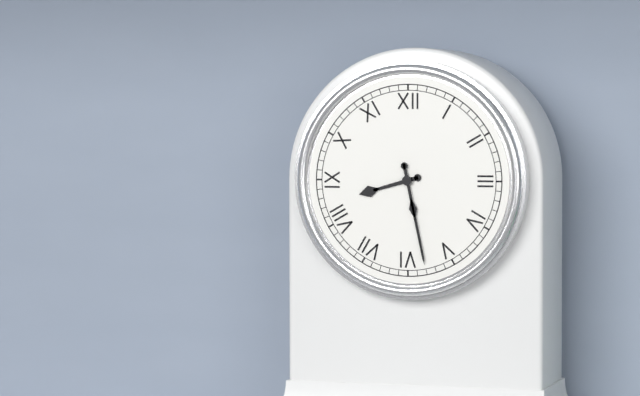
8:28
